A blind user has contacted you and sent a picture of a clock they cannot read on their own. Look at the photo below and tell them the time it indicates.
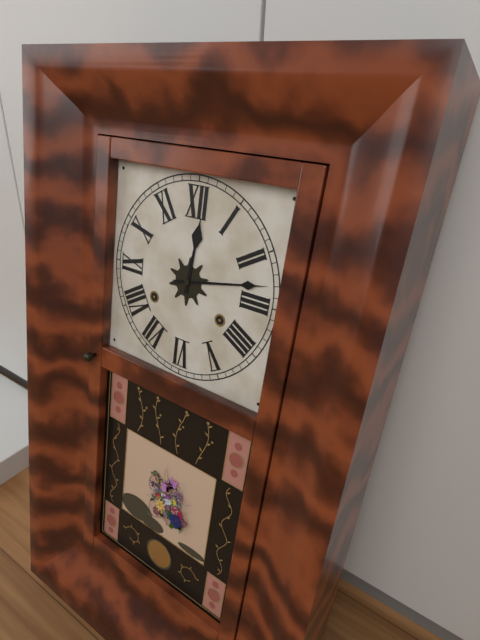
12:13
